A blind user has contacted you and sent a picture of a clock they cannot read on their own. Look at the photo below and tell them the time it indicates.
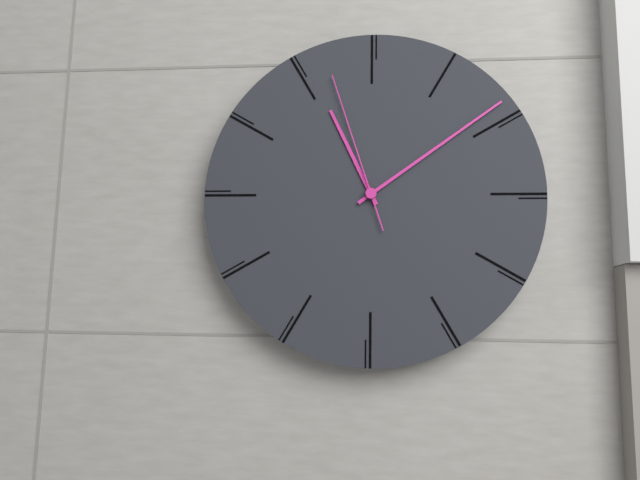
11:09:57
